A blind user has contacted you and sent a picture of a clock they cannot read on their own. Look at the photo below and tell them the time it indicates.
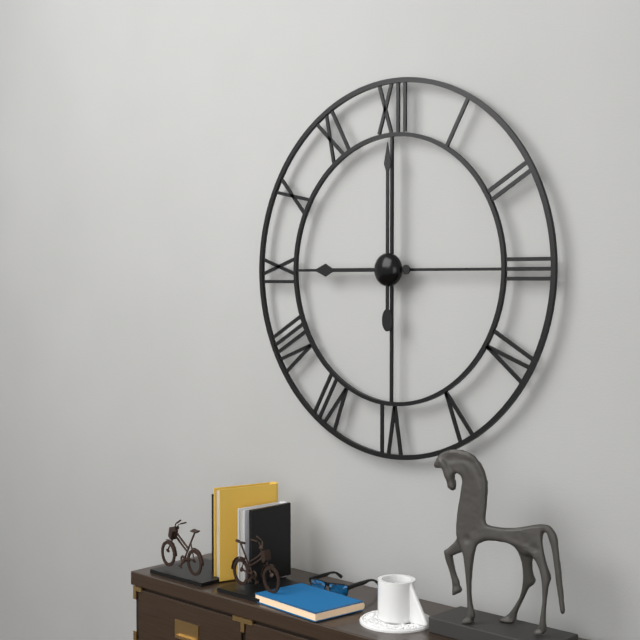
9:00
